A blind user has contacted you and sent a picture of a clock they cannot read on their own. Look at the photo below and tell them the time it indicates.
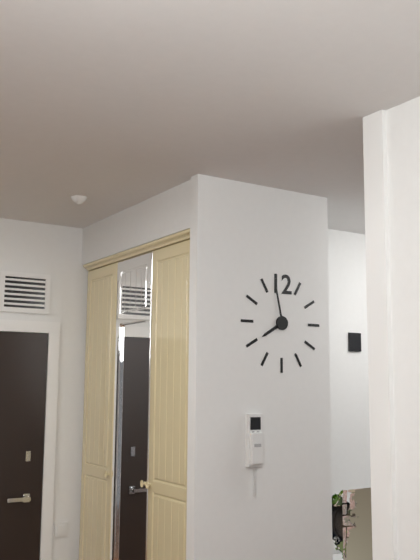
7:58
